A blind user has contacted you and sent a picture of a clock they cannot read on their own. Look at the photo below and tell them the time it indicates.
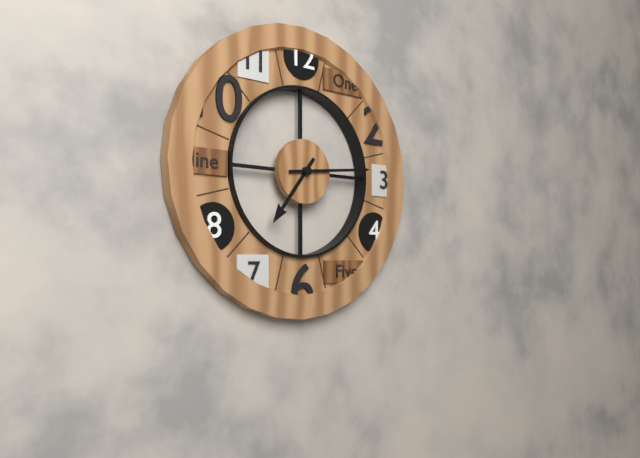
7:14
